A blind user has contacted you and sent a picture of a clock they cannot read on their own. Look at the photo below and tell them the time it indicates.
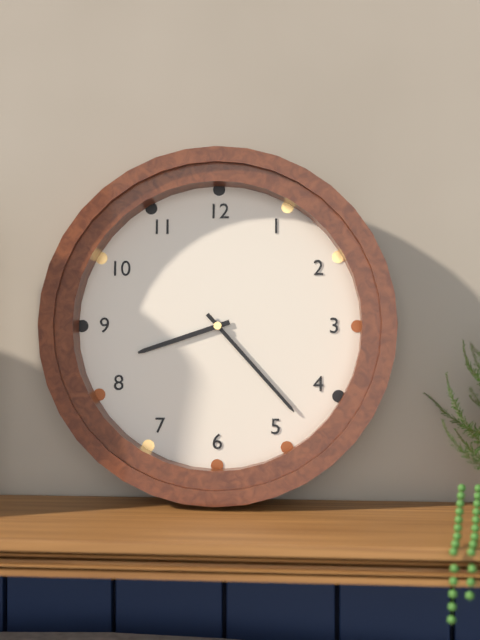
8:23
